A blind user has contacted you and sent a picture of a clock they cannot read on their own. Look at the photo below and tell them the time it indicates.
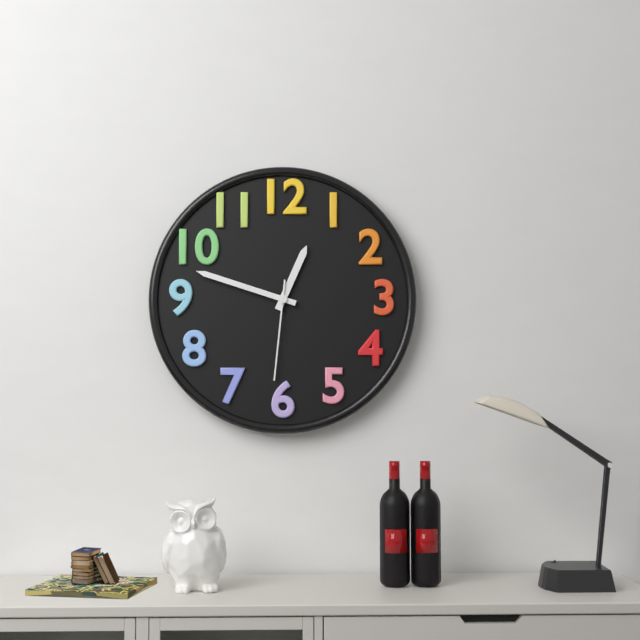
12:48:31
